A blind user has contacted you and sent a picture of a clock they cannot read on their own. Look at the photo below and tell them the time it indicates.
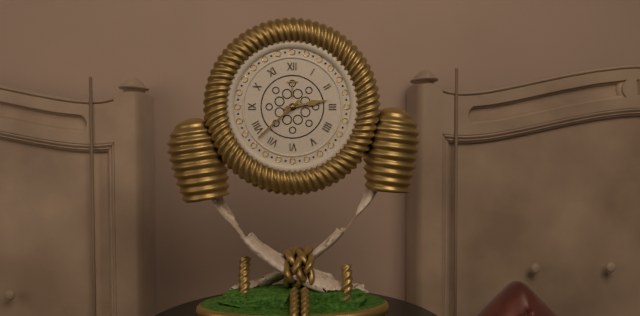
2:38
